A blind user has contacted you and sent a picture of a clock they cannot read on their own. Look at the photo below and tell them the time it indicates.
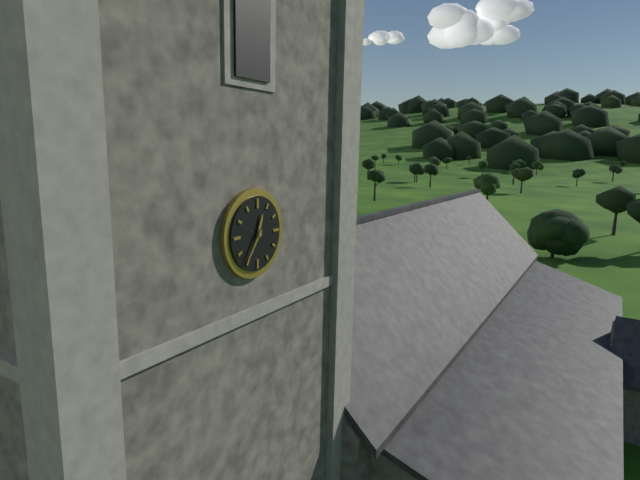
12:36
